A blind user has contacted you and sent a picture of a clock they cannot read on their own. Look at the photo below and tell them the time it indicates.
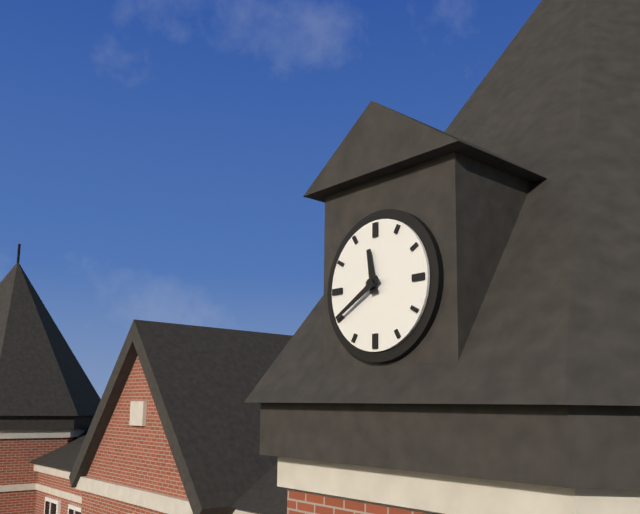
11:40
